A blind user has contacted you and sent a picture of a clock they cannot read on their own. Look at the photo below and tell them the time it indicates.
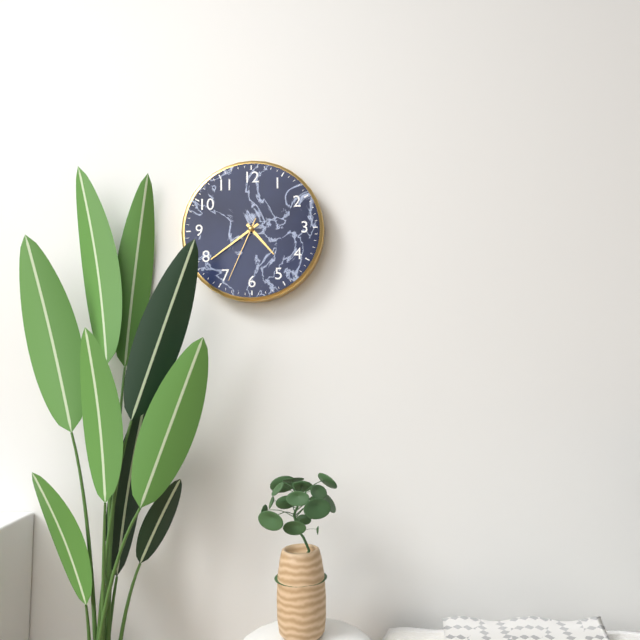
4:39:34
